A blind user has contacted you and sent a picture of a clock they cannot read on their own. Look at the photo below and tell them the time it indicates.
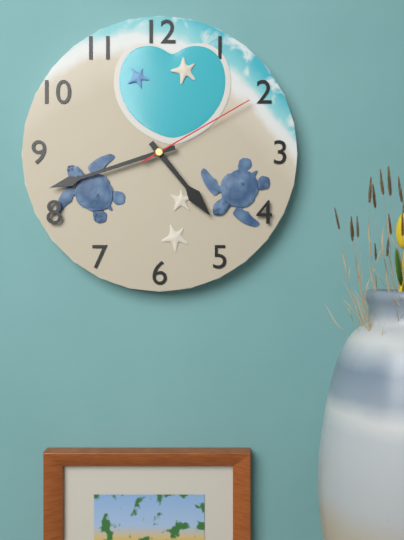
4:42:10
